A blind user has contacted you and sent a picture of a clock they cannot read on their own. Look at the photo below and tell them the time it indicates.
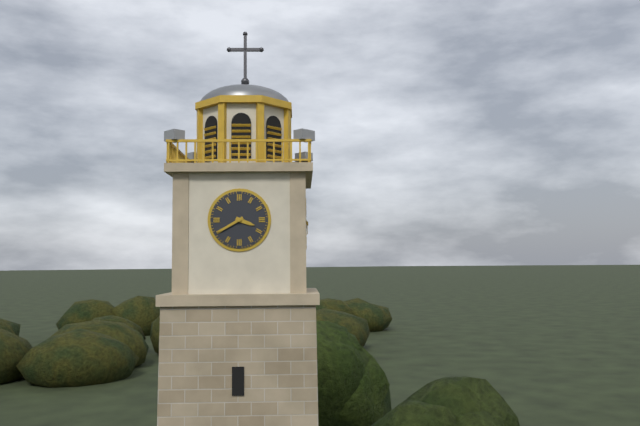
3:40
